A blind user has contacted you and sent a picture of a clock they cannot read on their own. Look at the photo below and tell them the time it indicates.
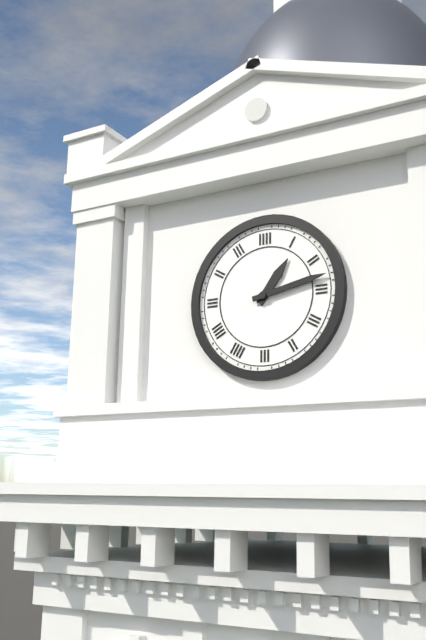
1:13
